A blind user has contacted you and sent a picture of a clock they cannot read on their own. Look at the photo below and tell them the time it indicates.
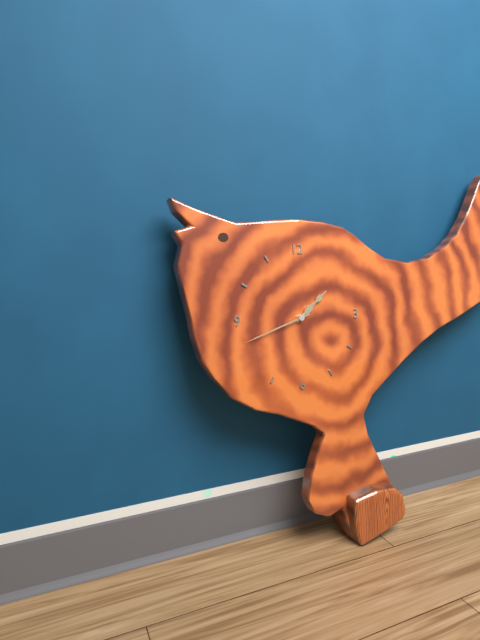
1:42
